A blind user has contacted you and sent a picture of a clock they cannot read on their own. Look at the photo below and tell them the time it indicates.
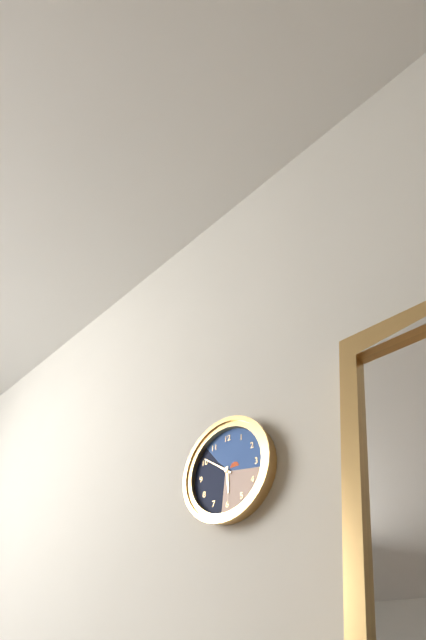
5:51
